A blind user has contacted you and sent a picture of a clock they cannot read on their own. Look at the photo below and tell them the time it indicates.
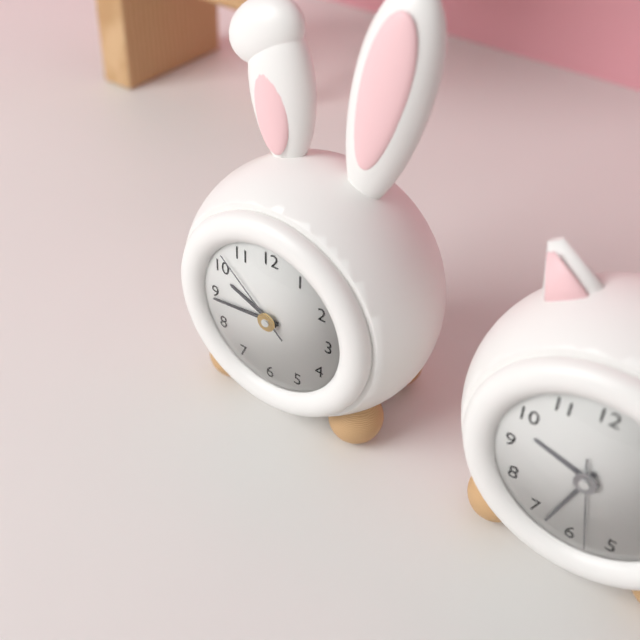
9:44:52
